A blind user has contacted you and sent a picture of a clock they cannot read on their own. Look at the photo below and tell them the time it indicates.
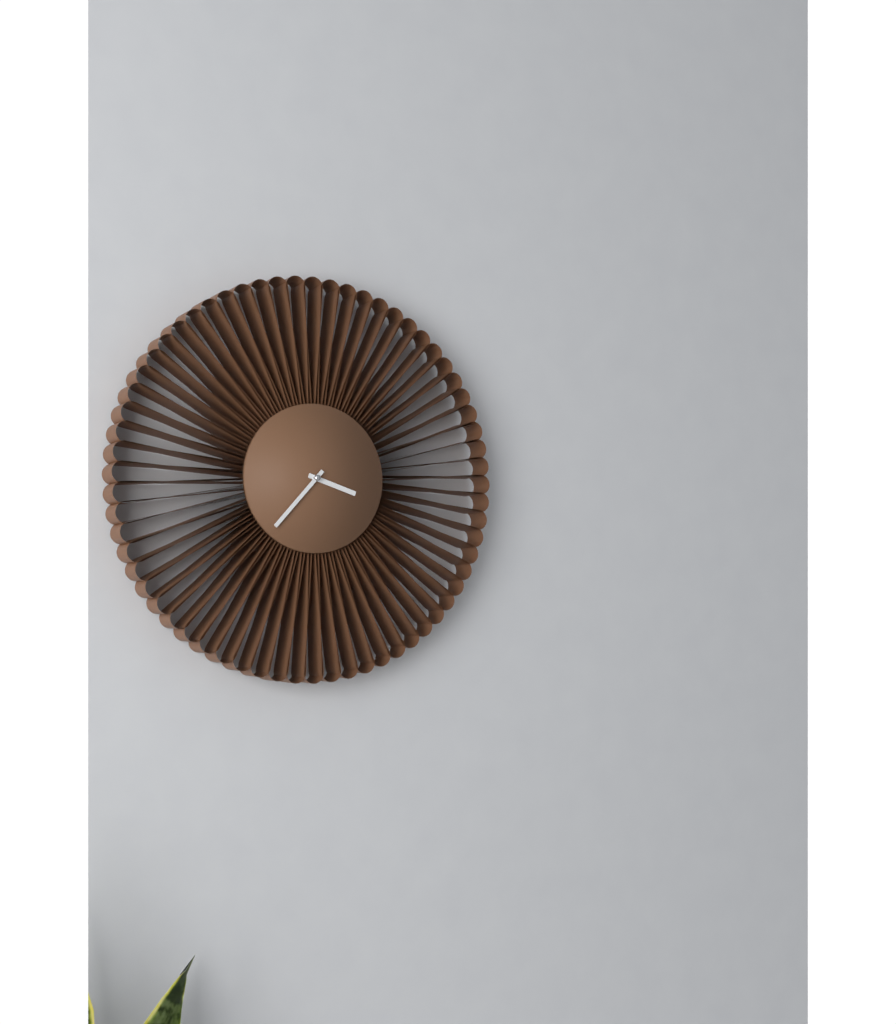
3:37
